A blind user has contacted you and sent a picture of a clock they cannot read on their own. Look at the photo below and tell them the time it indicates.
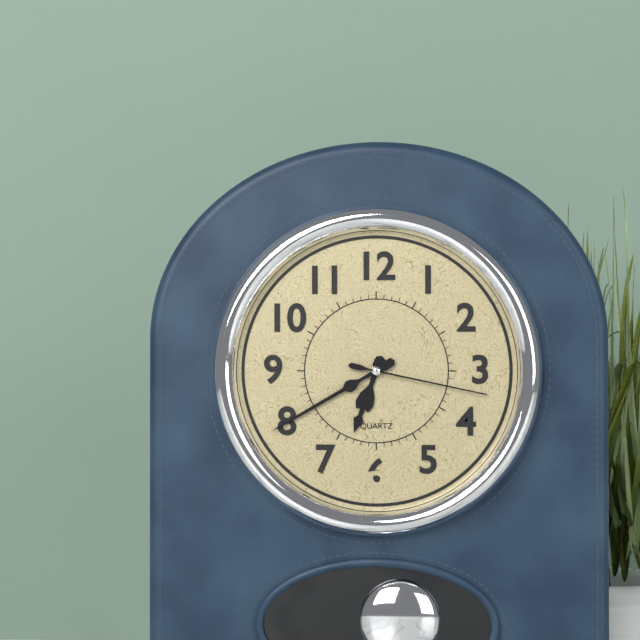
6:40:17
